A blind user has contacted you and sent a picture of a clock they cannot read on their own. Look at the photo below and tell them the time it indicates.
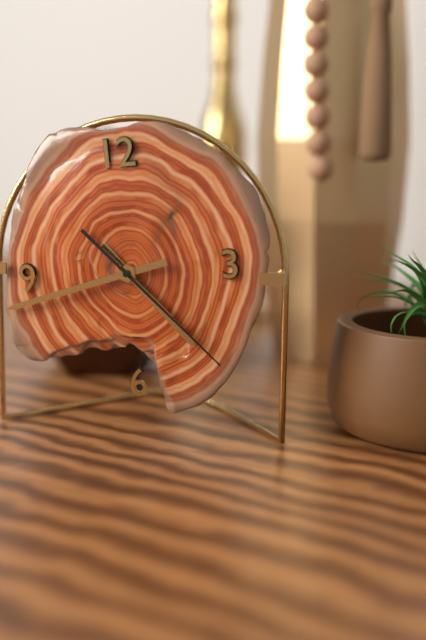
4:43:23
